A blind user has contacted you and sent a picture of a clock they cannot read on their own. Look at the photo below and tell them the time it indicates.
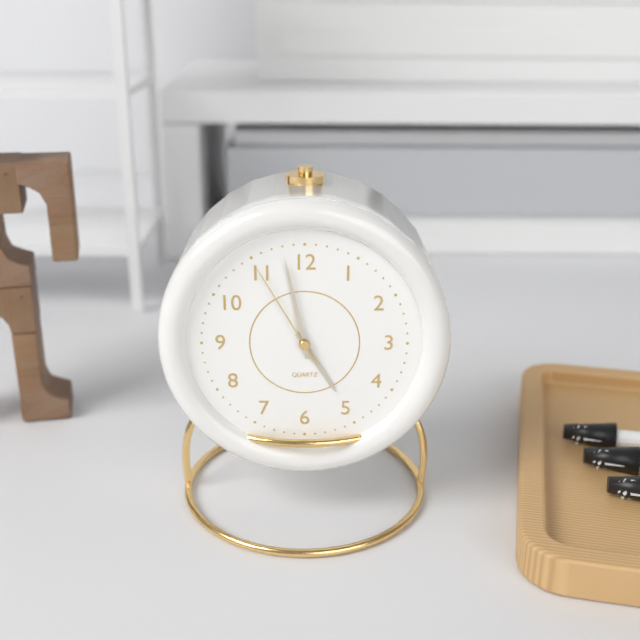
4:58:55
